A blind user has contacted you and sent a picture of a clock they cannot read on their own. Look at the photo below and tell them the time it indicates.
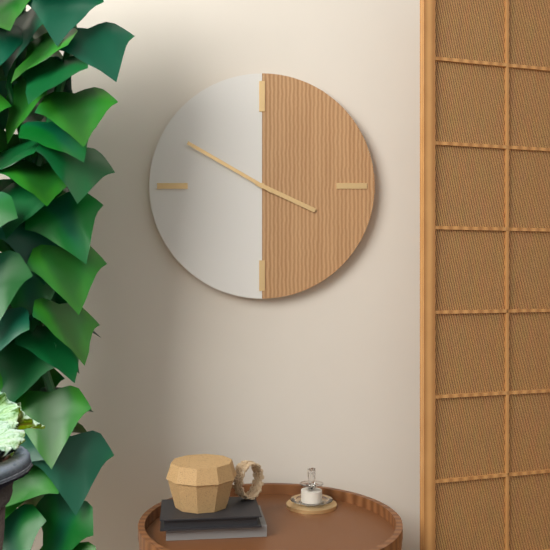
3:50
